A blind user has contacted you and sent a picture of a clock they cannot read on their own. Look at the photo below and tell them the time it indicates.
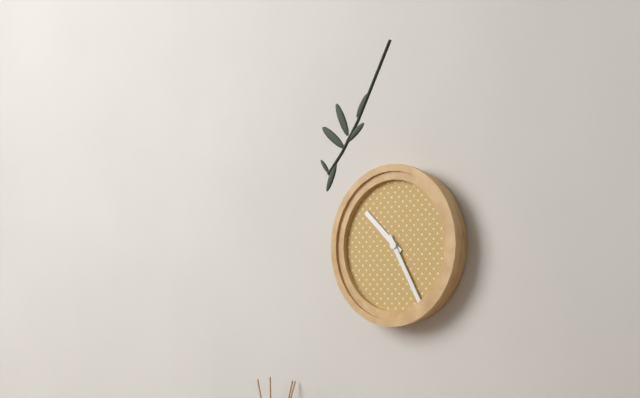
10:25
